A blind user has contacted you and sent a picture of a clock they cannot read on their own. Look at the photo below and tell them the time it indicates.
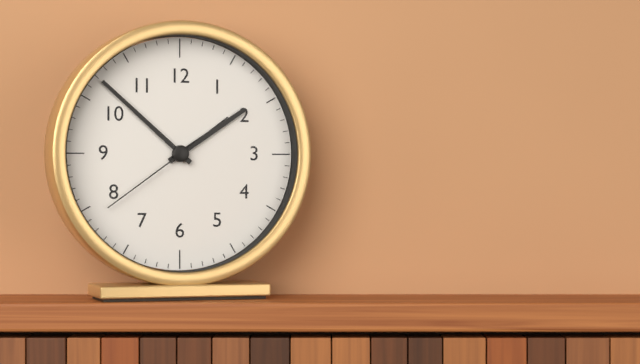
1:52:39
